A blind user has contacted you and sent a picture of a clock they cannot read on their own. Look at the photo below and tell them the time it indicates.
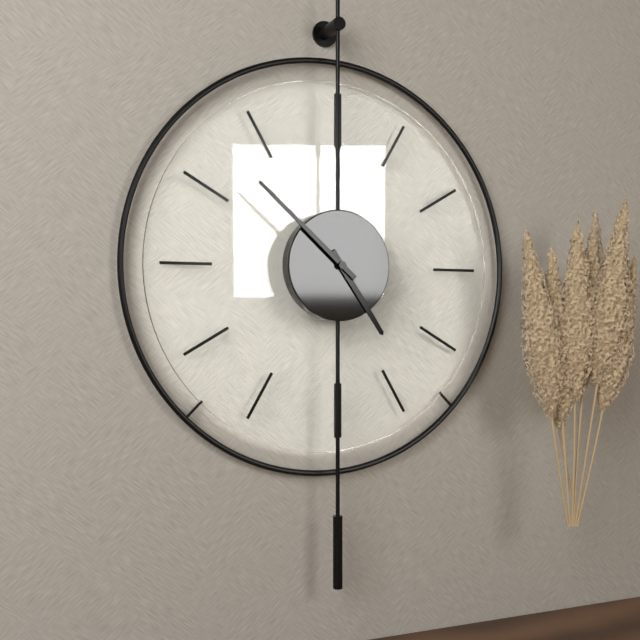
4:52
